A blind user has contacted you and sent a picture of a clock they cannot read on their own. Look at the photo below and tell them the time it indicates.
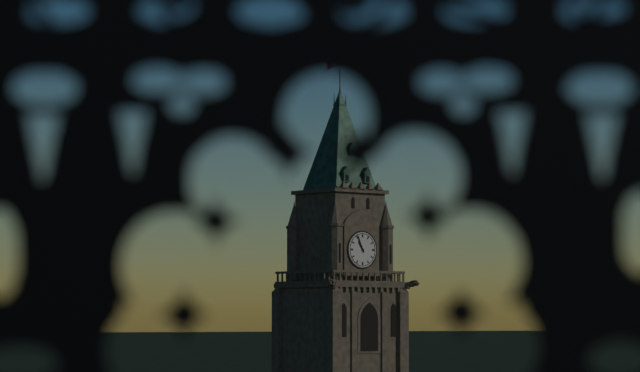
10:56
